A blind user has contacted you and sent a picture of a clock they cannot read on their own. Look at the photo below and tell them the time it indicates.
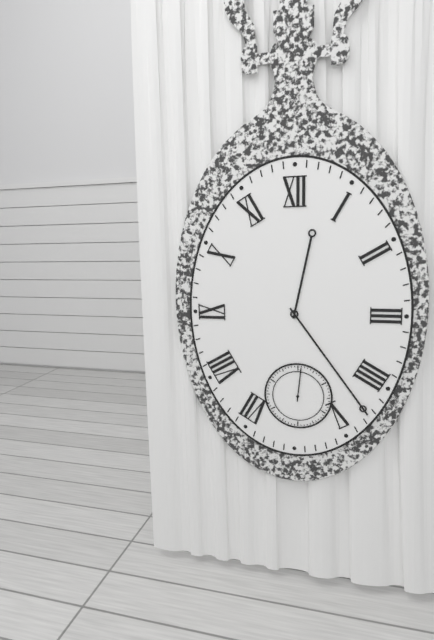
12:24
